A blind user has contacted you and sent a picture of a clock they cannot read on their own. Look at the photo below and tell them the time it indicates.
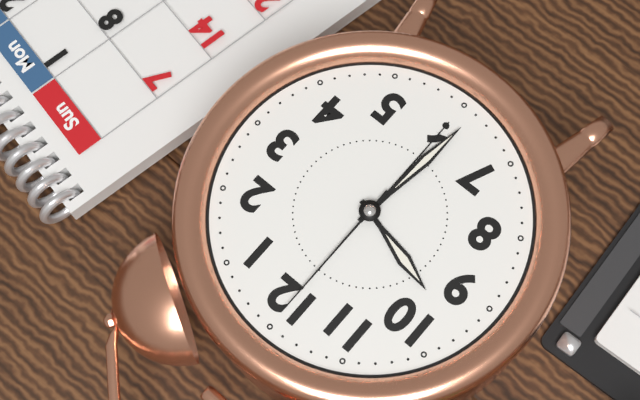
9:31:00
